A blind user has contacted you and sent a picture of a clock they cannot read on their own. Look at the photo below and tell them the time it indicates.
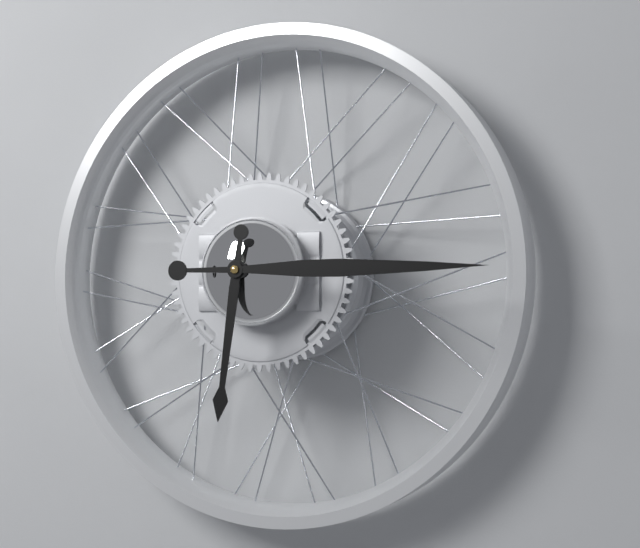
6:15
